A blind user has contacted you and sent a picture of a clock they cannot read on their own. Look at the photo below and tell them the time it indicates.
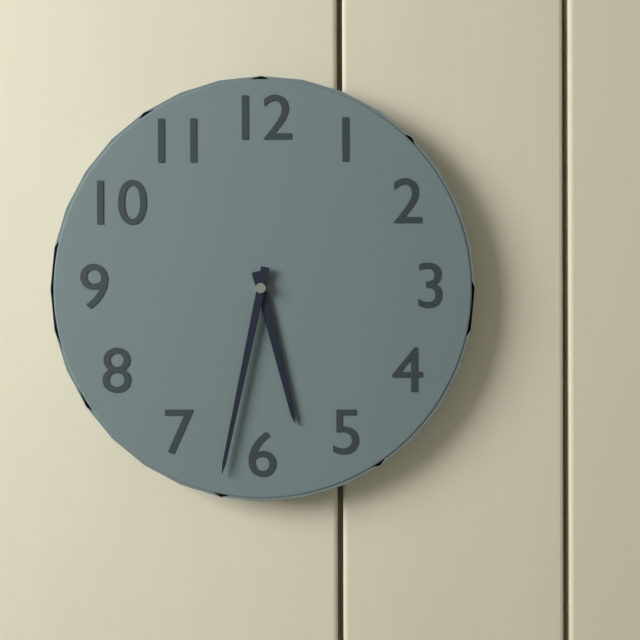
5:32
